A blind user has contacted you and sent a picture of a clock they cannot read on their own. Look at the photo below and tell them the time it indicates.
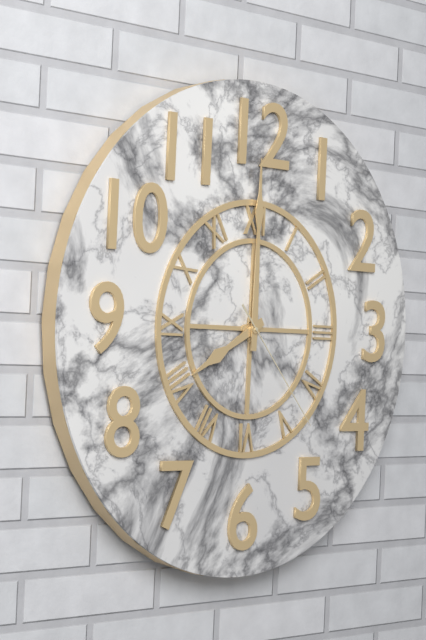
8:00:23
